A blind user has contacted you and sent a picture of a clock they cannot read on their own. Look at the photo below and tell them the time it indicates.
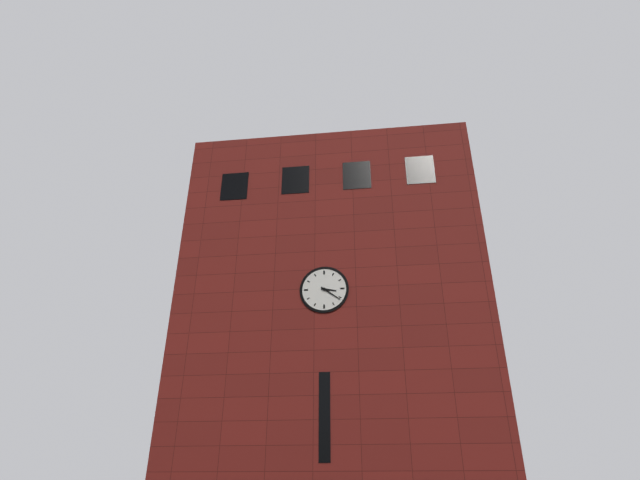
3:21
